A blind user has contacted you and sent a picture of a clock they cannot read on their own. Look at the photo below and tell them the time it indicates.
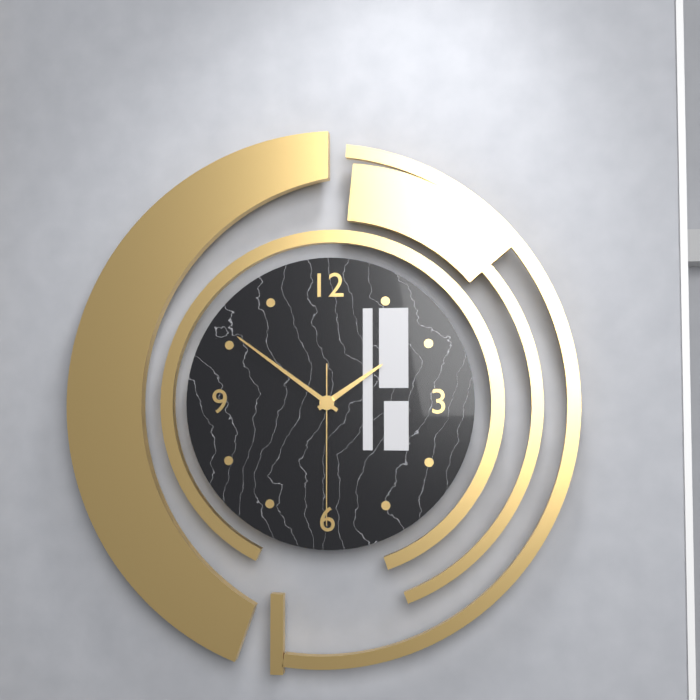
1:51:30
